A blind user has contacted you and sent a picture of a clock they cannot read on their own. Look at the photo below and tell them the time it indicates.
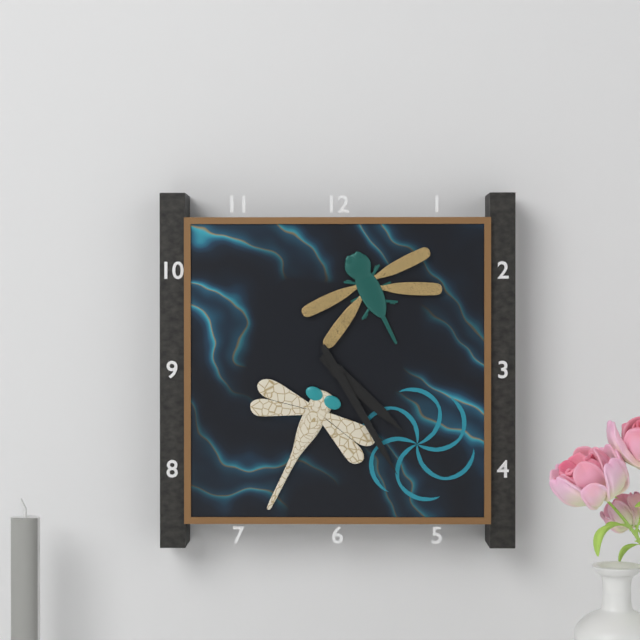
4:25
